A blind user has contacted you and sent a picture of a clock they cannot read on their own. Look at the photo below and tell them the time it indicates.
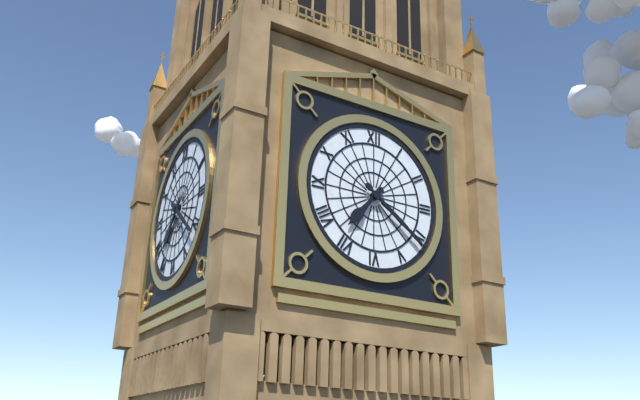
7:21
